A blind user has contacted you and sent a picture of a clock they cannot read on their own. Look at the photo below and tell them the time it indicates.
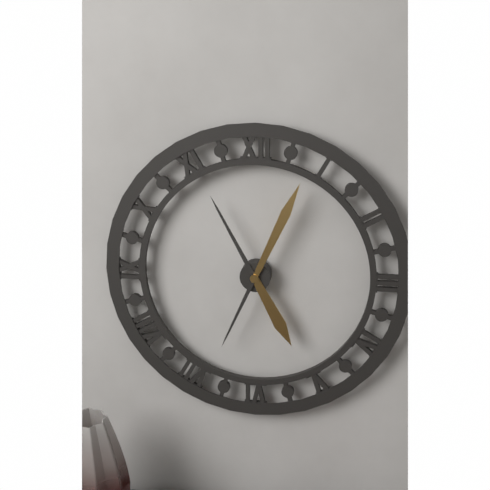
5:04
